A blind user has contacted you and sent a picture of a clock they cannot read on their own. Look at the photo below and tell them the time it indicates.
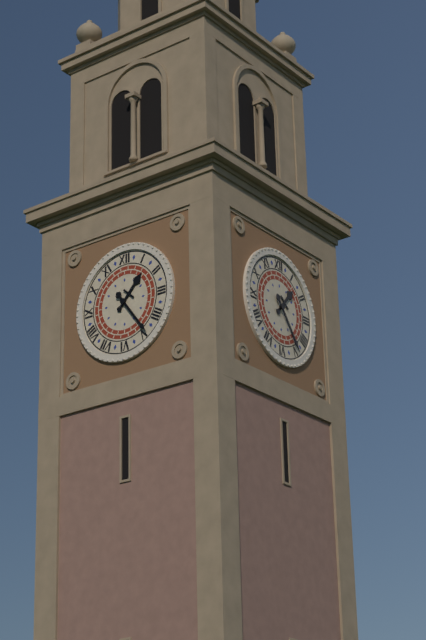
1:24
